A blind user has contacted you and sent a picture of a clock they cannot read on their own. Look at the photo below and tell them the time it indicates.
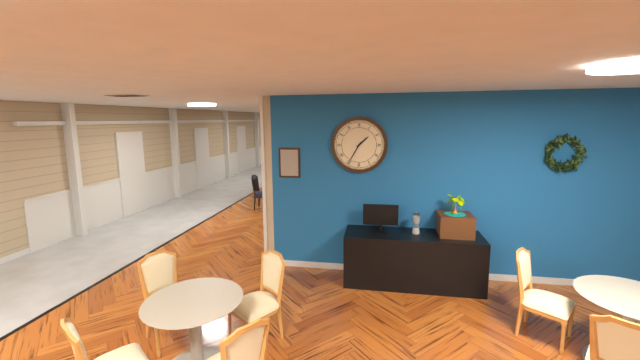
1:35
